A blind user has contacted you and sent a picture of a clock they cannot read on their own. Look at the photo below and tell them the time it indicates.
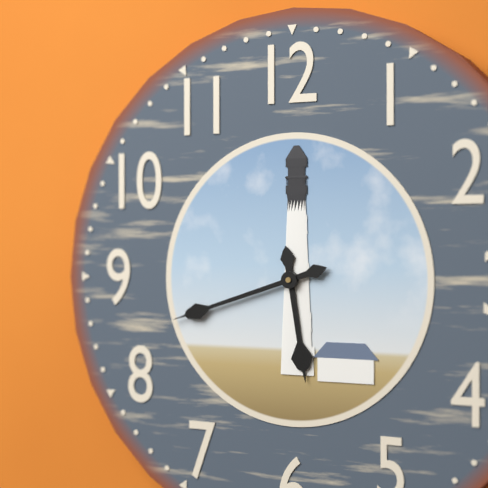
5:42
